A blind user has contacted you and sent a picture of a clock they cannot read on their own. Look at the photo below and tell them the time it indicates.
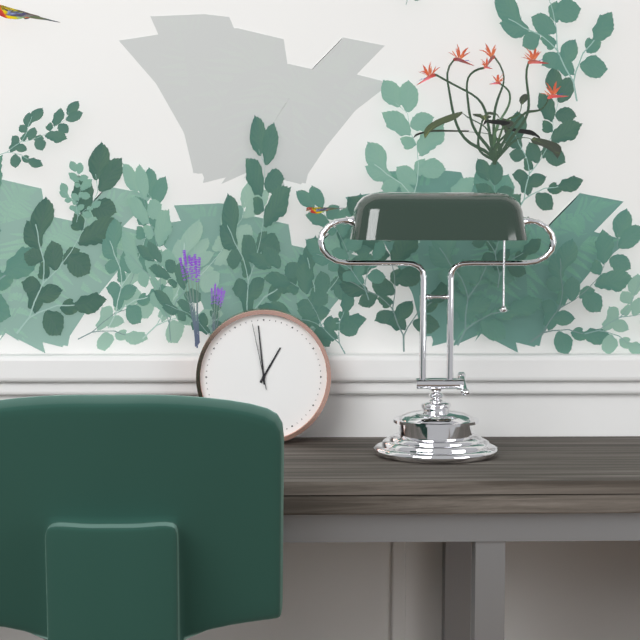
12:59:58
